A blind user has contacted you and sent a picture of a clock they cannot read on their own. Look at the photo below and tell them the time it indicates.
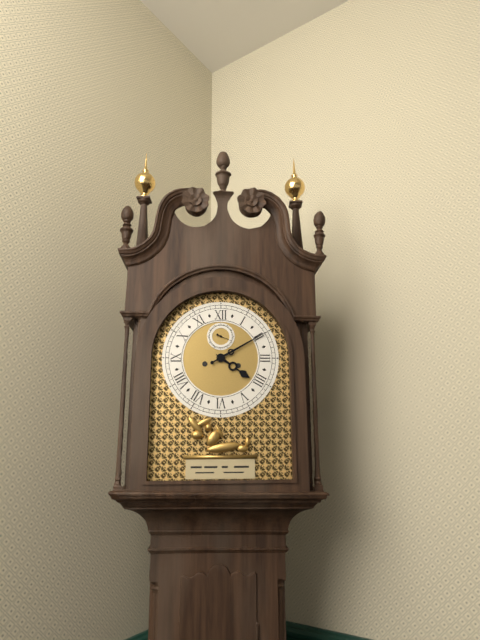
4:10
